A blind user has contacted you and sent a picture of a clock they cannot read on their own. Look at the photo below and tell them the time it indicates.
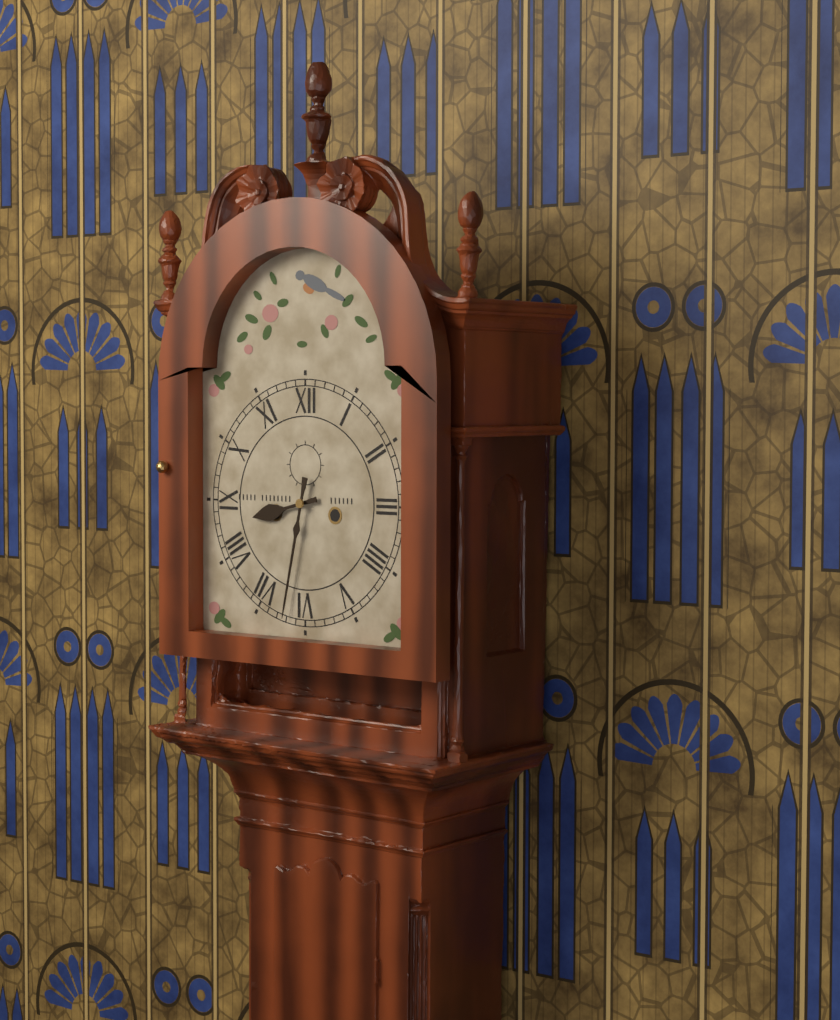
8:32
